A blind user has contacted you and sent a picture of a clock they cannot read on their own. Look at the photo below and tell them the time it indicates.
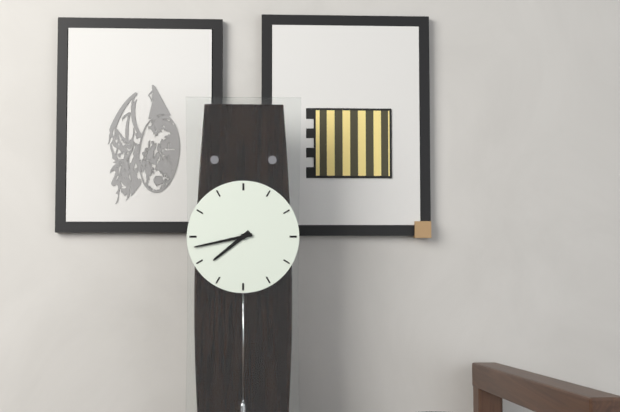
7:43
